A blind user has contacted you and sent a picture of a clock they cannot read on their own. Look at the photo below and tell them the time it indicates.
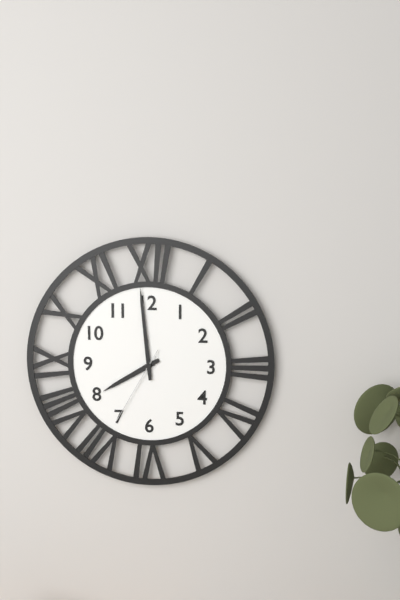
7:59:35
